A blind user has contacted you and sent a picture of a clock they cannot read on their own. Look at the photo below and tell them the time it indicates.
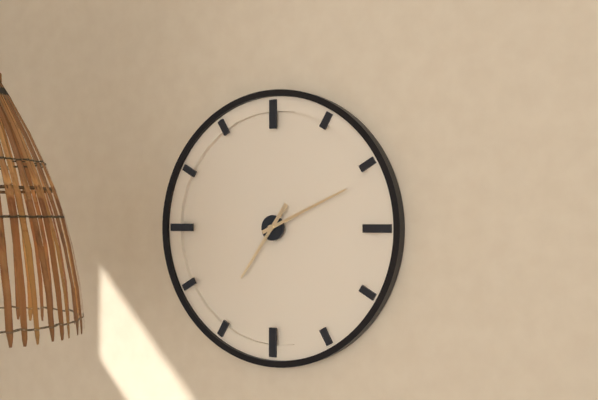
7:11
